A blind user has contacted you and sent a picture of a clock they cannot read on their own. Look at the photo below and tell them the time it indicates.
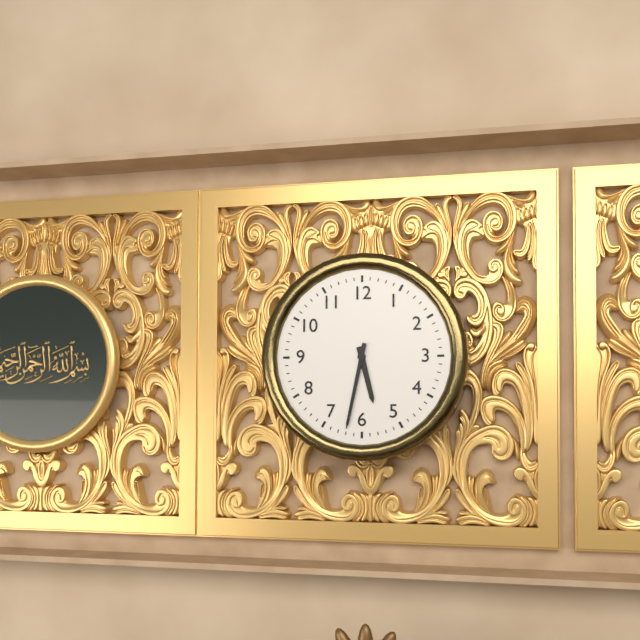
5:32
